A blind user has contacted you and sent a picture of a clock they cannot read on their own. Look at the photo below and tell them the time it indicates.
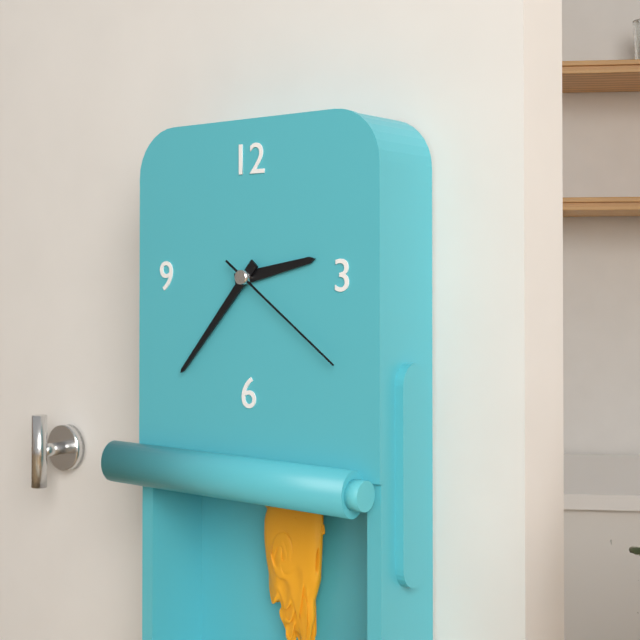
2:37:21
